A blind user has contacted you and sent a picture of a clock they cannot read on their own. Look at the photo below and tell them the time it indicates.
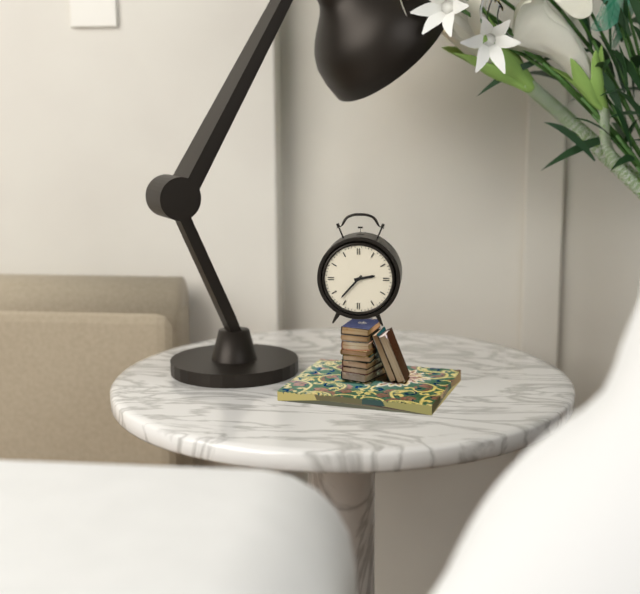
2:37
